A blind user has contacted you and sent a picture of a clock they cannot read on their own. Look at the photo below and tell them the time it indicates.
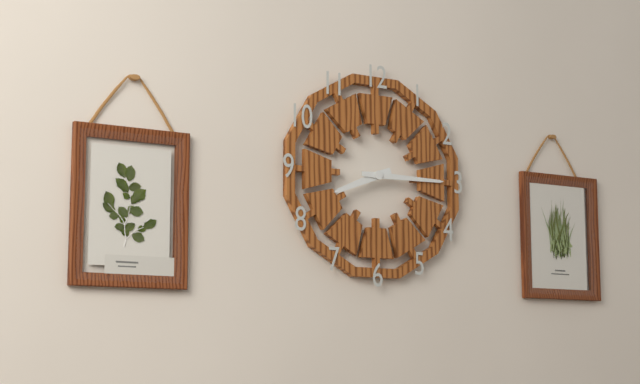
8:15
